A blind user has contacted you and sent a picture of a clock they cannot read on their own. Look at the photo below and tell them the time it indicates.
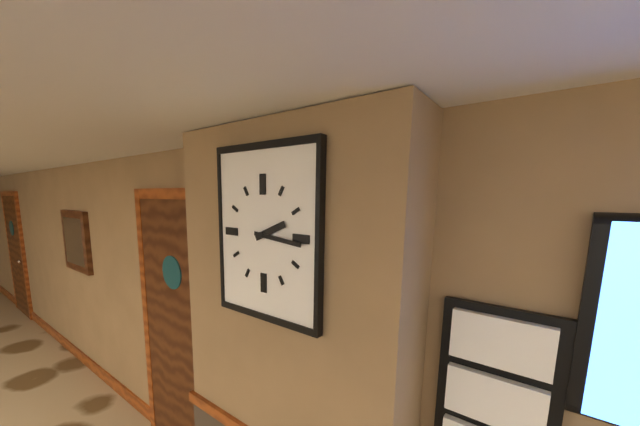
2:16
